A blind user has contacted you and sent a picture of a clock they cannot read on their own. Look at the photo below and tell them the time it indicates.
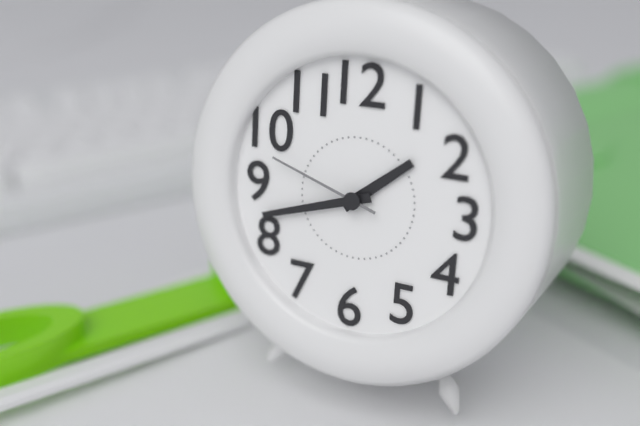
1:42:48
